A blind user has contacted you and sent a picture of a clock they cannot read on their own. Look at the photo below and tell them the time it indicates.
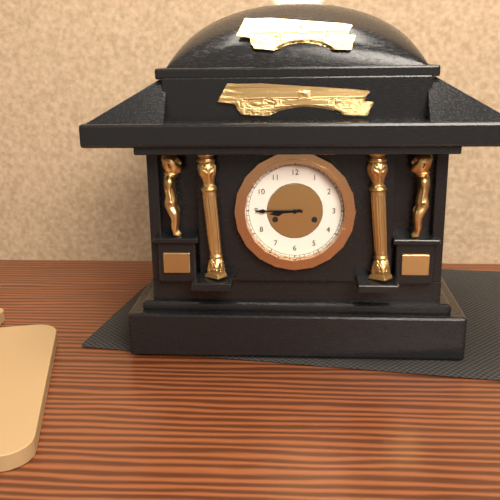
8:45
